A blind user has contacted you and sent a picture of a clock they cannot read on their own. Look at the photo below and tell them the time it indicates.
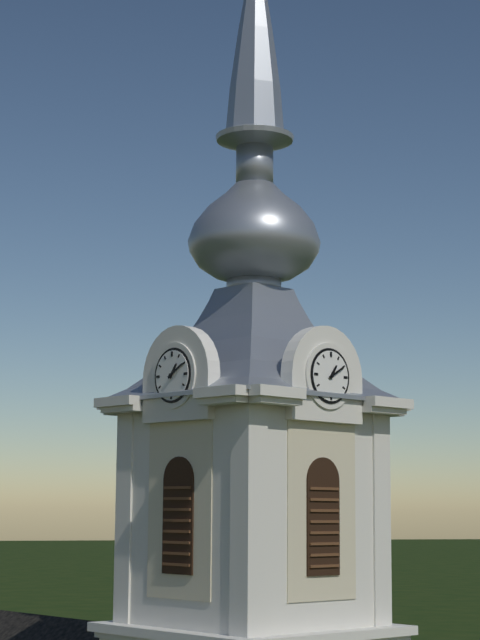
1:10
